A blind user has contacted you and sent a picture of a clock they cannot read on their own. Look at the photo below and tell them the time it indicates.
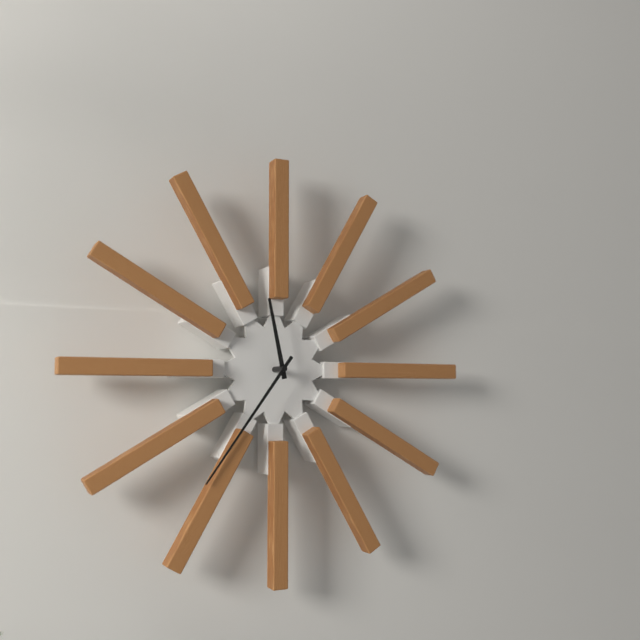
11:36
